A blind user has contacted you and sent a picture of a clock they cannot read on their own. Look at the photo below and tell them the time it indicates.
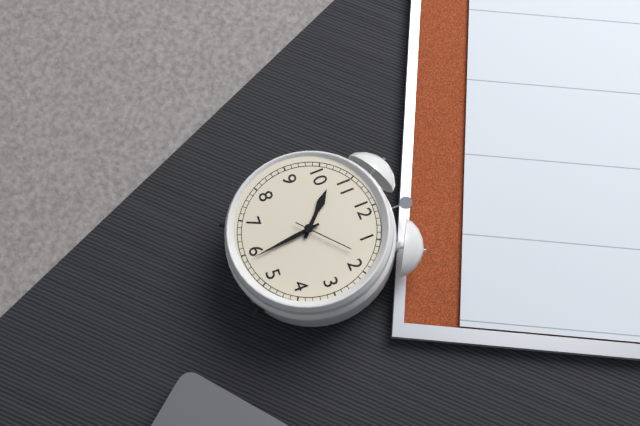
10:29:08
